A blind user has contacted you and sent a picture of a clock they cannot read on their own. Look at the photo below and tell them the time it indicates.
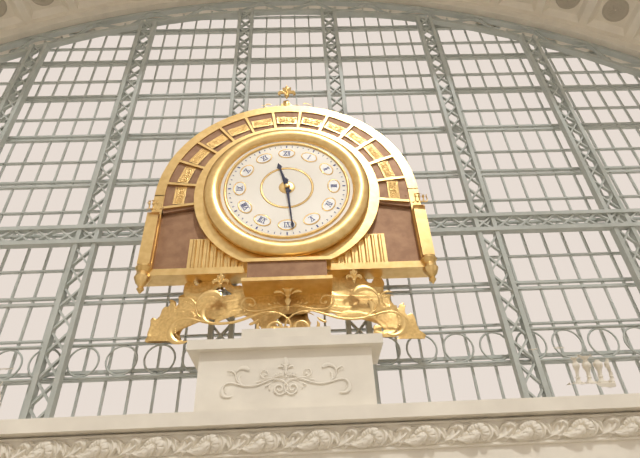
11:29
